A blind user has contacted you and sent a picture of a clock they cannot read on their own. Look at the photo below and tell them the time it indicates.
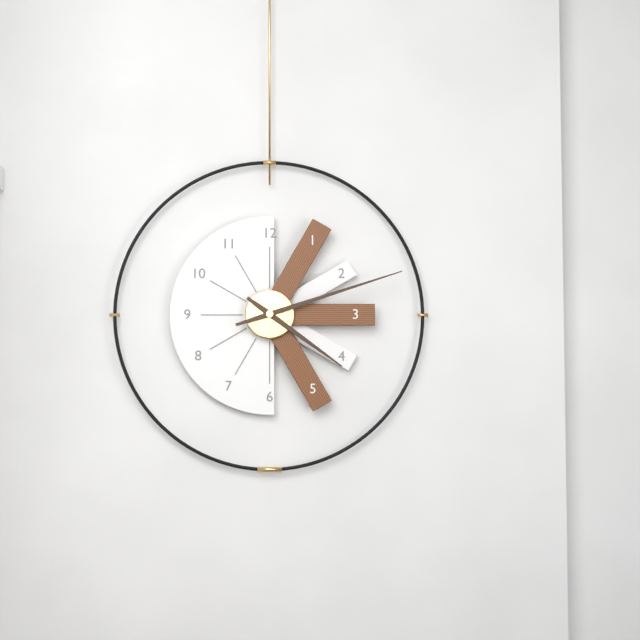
4:12
